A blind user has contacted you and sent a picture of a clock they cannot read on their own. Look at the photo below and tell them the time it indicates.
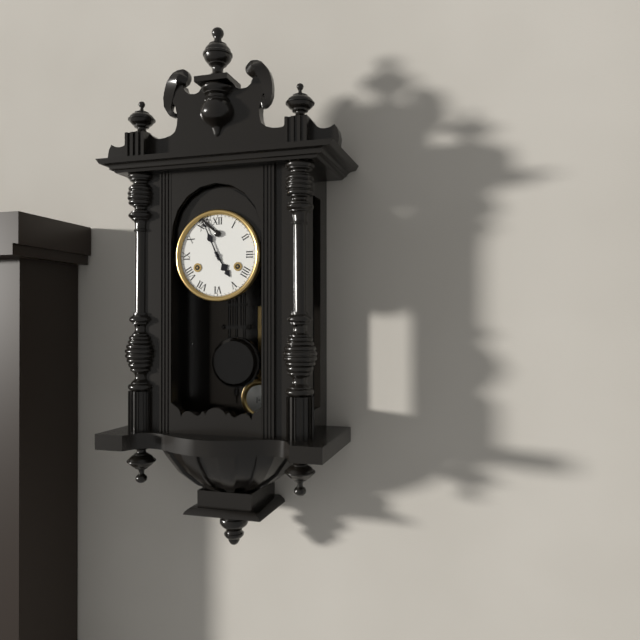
4:56
